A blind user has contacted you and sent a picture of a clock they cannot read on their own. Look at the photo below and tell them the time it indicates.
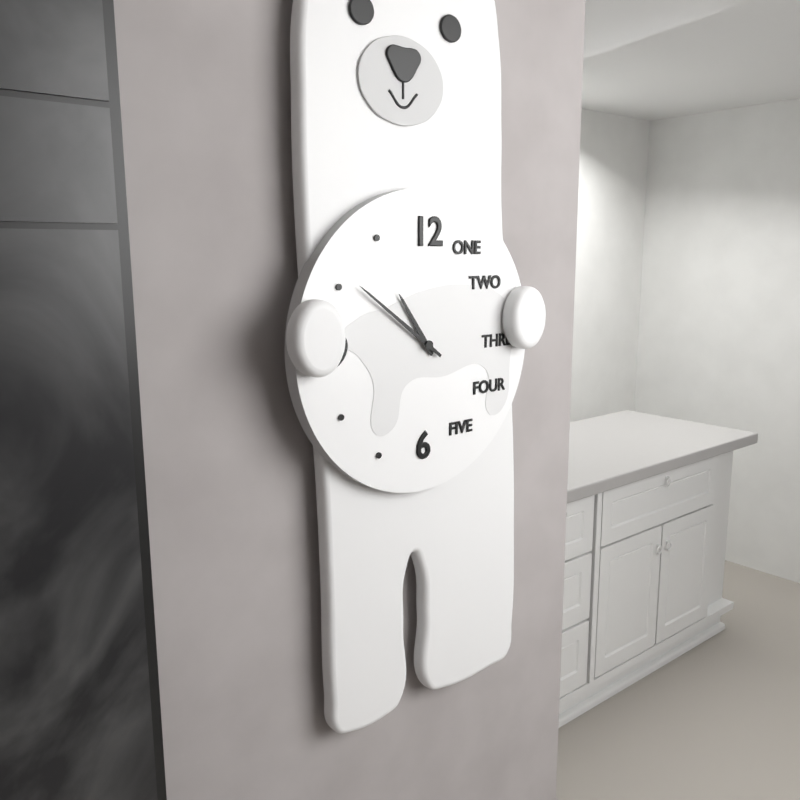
10:51
